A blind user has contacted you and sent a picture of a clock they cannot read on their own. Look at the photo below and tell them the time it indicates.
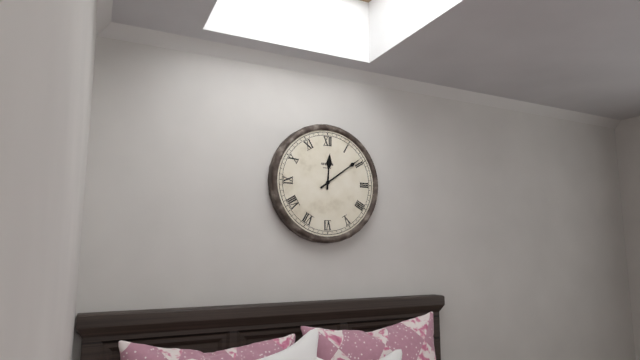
12:09
